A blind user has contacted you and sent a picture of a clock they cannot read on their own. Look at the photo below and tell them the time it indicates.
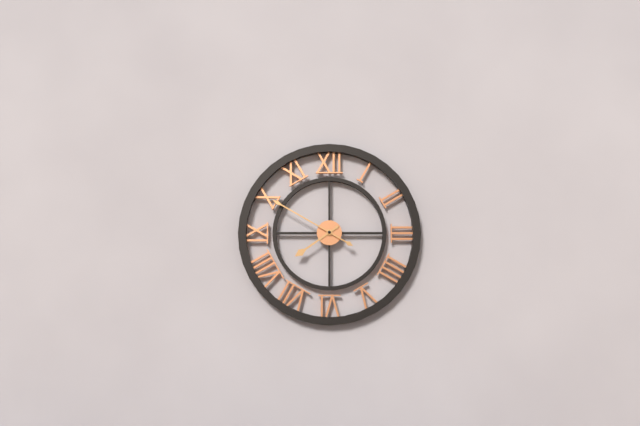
7:50
